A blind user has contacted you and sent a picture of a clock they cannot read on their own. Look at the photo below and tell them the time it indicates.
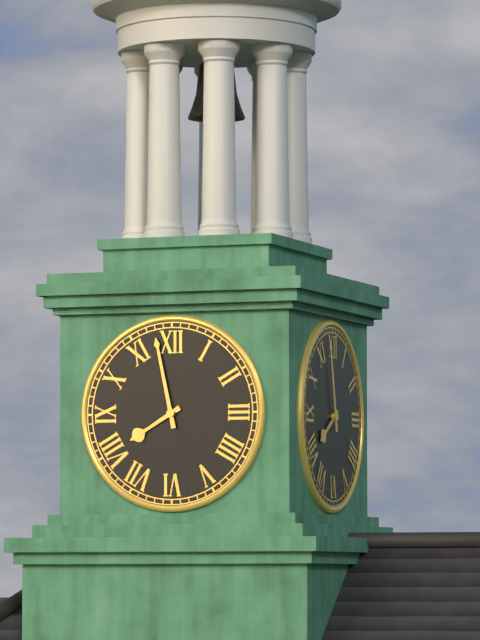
7:58
